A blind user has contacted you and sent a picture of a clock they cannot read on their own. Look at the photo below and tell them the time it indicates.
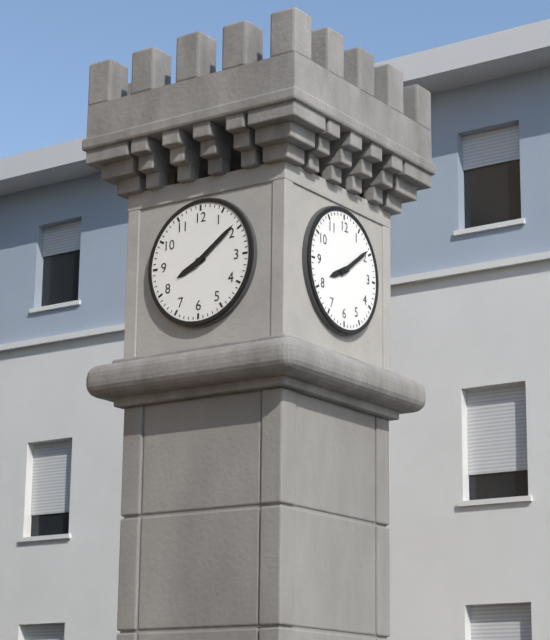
8:09
